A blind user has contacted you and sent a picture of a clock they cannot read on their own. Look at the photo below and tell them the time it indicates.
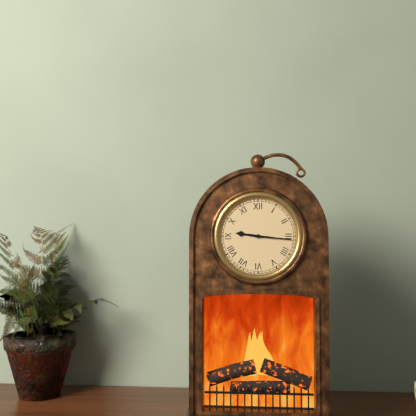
9:16
